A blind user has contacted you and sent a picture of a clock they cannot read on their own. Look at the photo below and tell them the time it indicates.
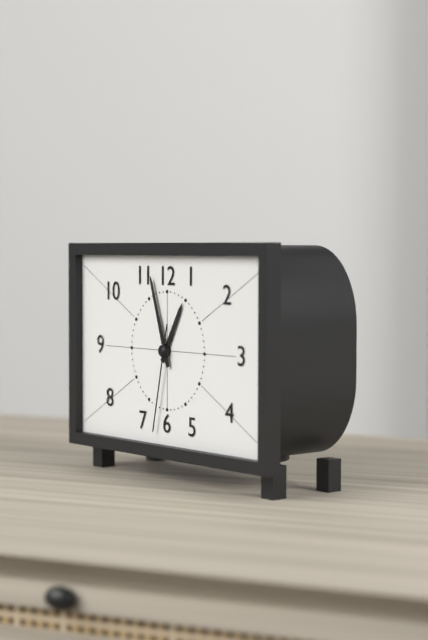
12:57:32
